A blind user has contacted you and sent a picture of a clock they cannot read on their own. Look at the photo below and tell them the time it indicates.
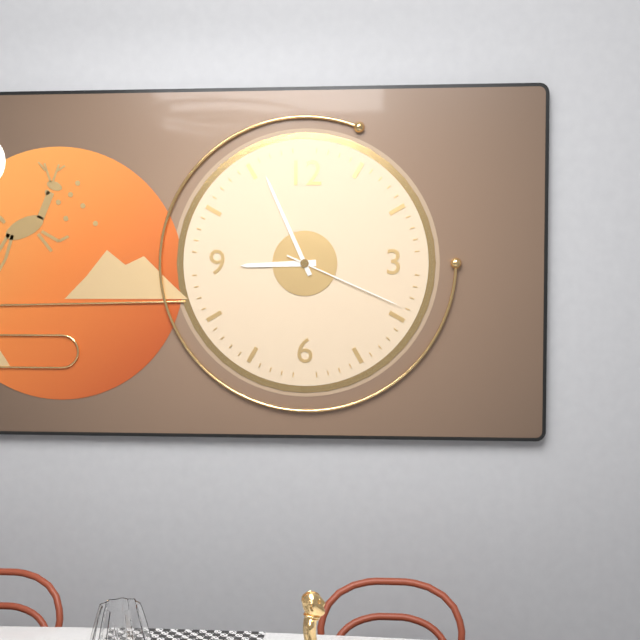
8:56:19
